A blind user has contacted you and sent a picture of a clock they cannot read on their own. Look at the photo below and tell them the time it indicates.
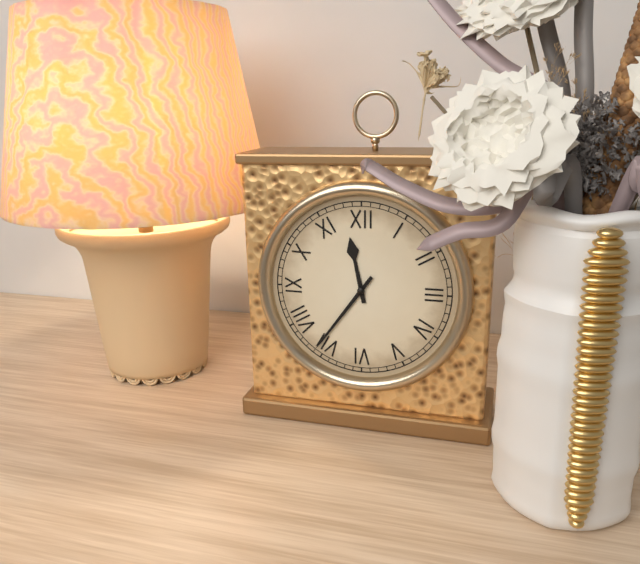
11:36
